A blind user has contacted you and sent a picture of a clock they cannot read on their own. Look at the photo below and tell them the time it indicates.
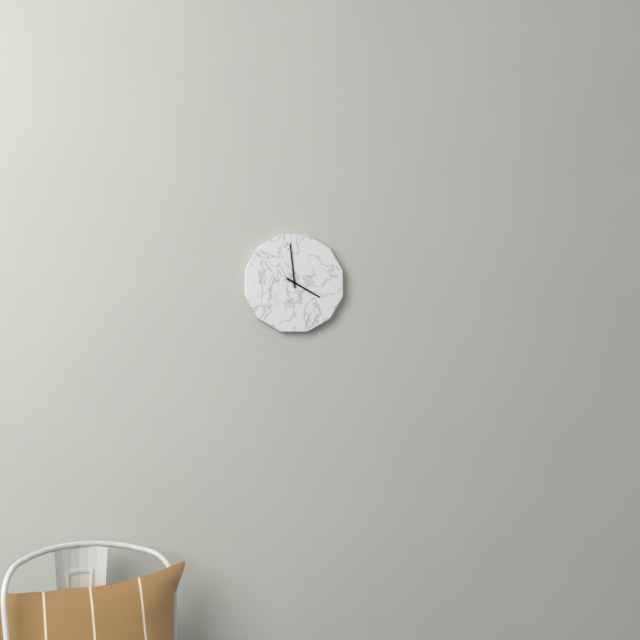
3:59
